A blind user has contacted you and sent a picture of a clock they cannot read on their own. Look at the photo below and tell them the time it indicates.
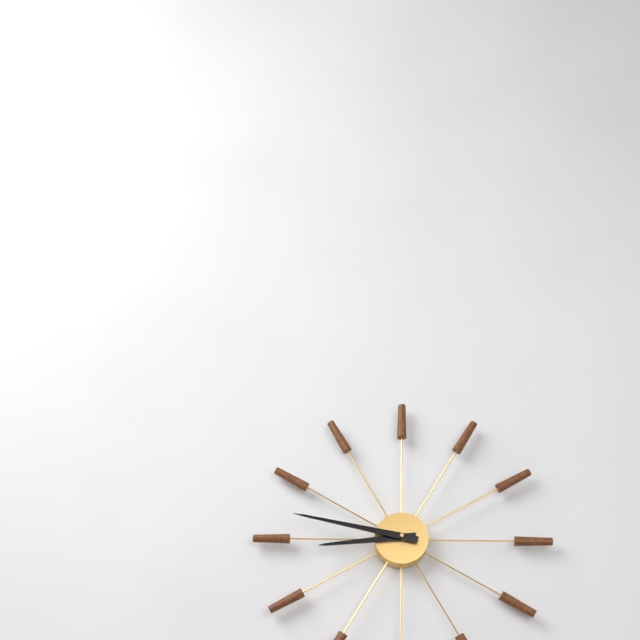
8:47
